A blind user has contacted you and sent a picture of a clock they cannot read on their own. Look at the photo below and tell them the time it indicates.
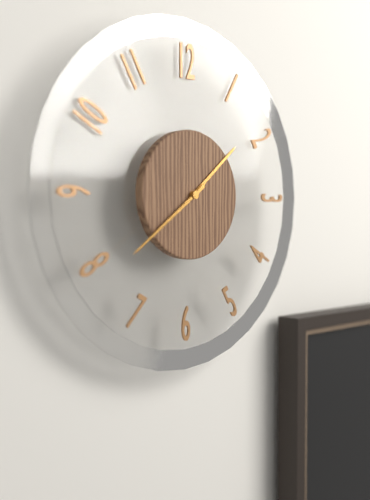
1:39
